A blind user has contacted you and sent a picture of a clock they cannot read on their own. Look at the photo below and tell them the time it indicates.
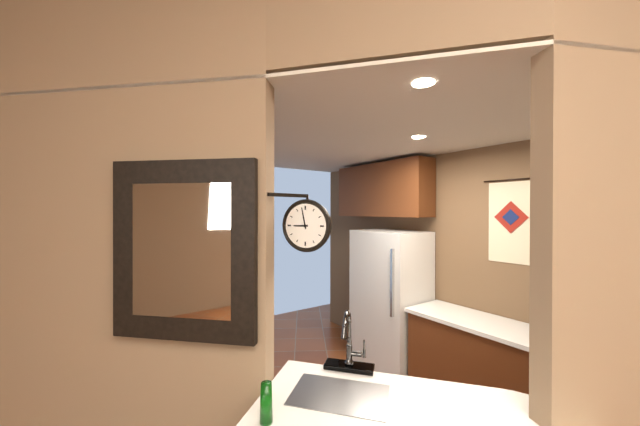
8:58
